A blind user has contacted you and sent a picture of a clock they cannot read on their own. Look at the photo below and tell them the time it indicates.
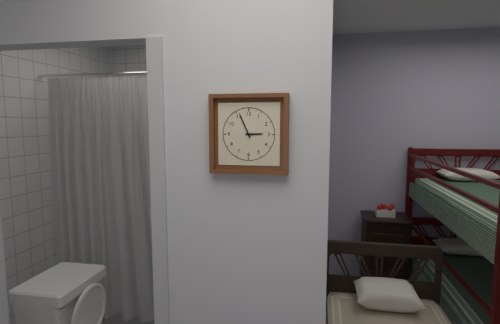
2:56
